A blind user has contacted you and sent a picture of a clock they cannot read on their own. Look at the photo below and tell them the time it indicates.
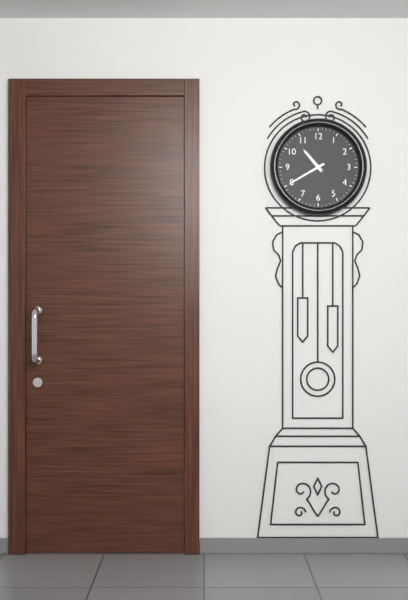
10:40
